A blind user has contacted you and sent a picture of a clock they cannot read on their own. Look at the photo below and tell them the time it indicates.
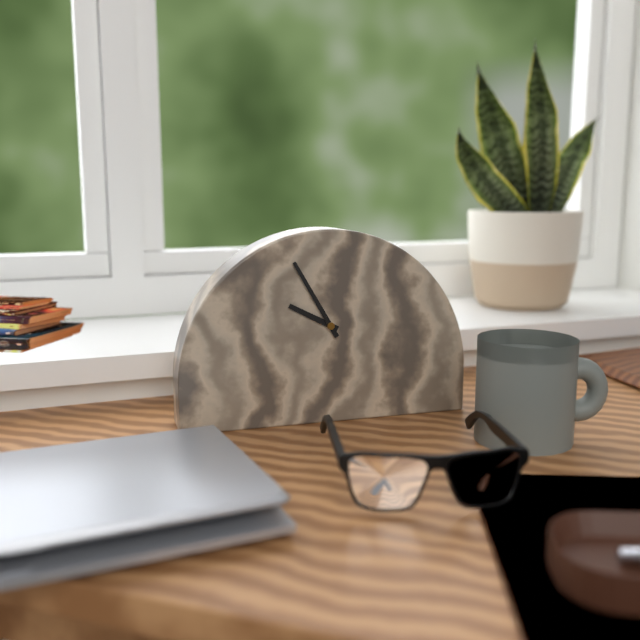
9:55
